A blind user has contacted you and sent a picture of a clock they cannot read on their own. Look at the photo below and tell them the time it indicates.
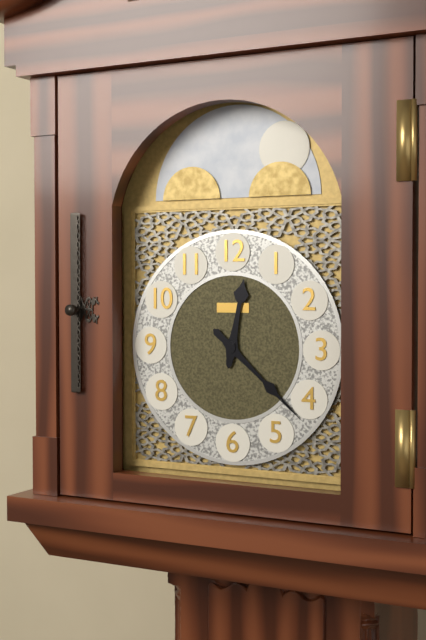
12:22
